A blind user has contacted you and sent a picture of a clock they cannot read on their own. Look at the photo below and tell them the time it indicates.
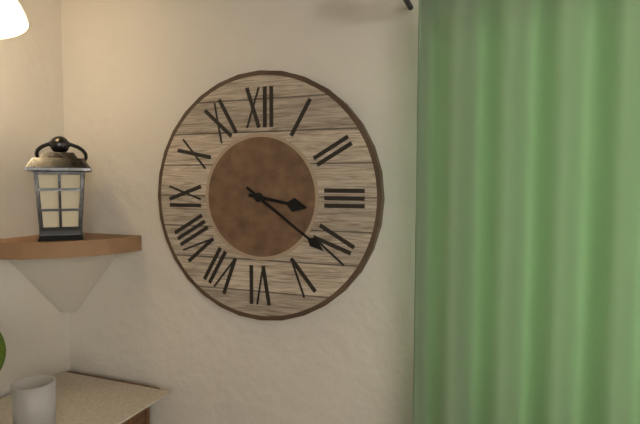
3:21
